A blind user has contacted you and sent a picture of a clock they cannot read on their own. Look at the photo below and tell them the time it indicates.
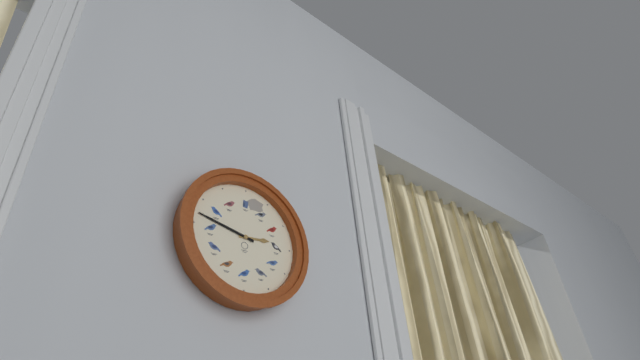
2:47
